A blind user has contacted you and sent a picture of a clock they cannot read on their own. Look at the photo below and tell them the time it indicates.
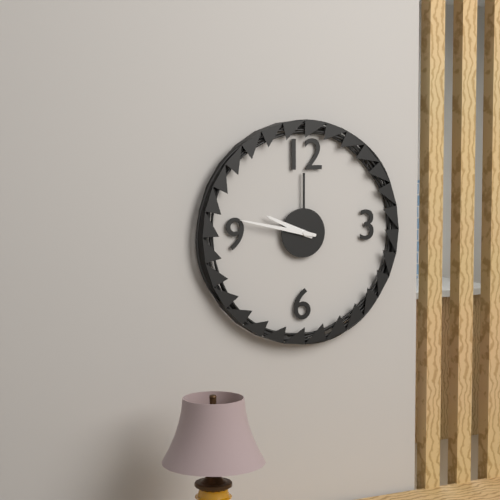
9:47
